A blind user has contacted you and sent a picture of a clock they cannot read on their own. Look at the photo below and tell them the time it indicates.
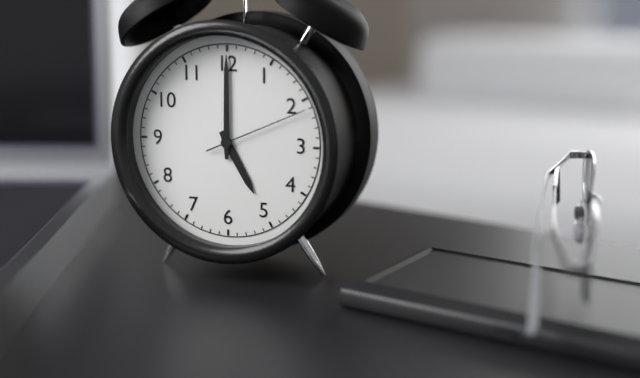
5:00:11
